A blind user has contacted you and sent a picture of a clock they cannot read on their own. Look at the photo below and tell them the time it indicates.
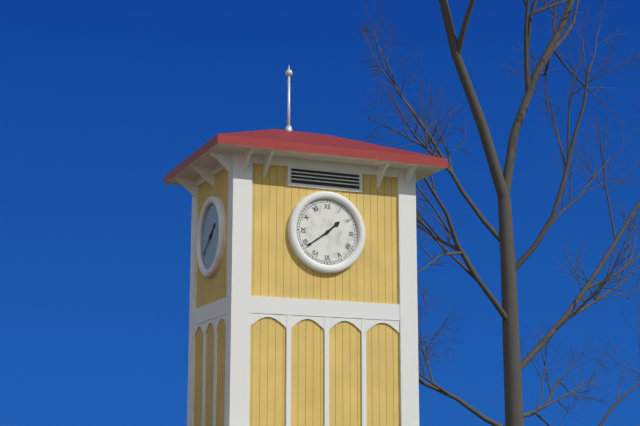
1:39
